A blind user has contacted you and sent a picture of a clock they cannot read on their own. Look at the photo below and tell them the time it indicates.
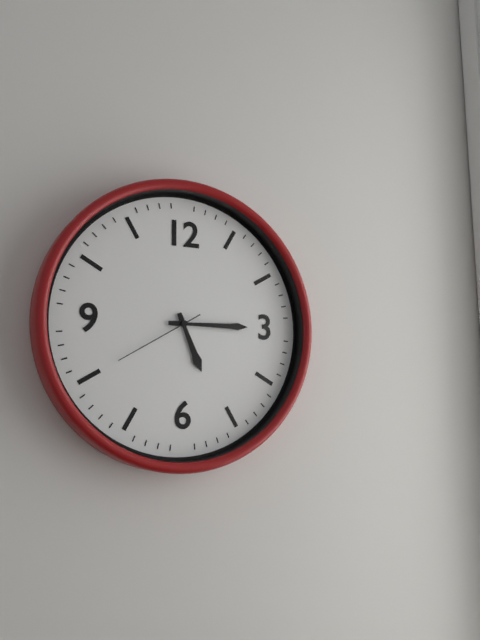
5:15:40
